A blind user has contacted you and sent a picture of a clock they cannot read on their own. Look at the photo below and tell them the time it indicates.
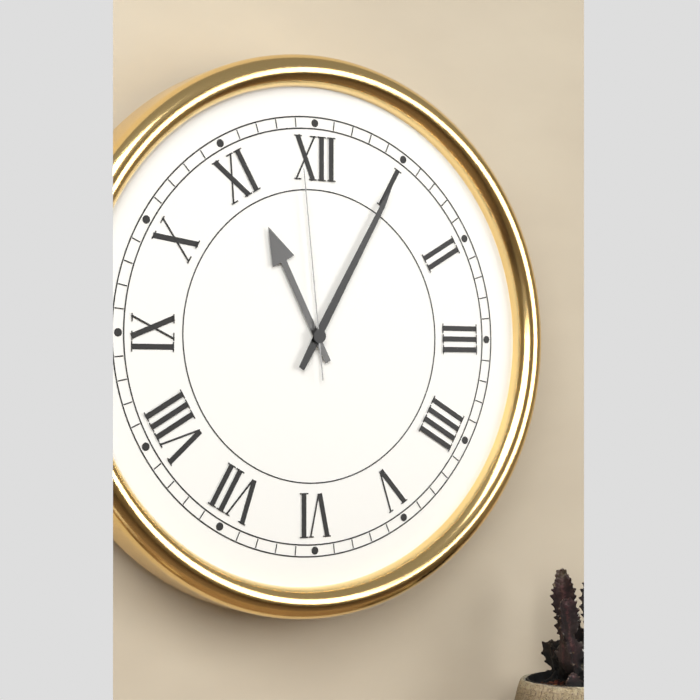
11:05:59
